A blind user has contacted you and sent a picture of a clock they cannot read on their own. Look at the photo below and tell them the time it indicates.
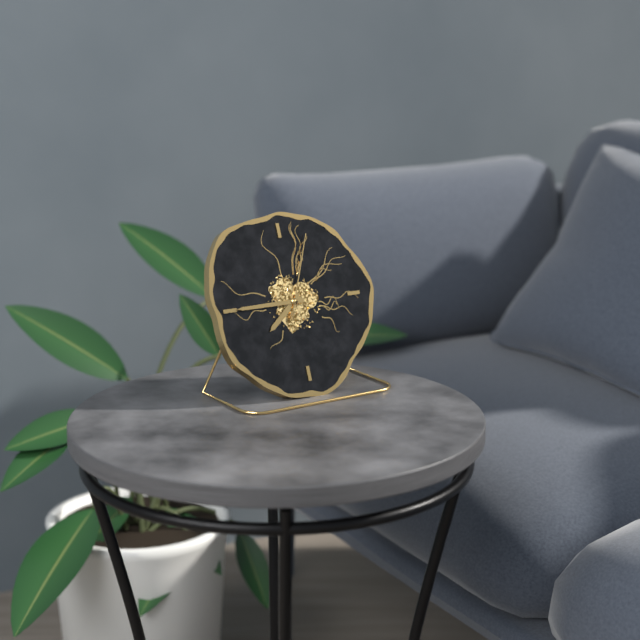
7:45:04
